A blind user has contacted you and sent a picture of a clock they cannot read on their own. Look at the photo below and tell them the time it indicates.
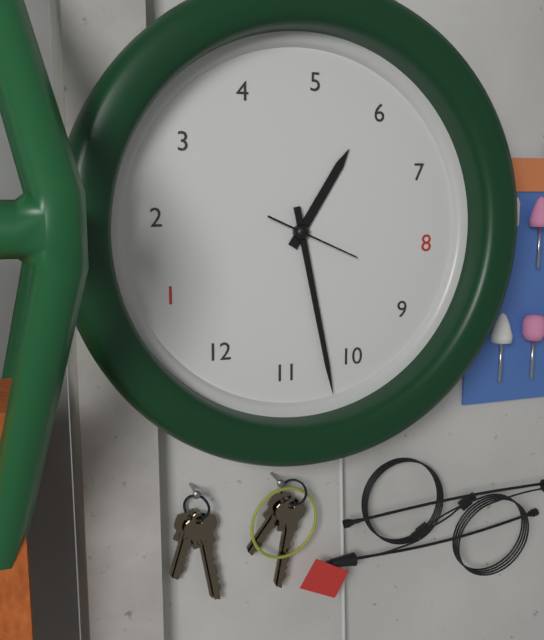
5:52:43
